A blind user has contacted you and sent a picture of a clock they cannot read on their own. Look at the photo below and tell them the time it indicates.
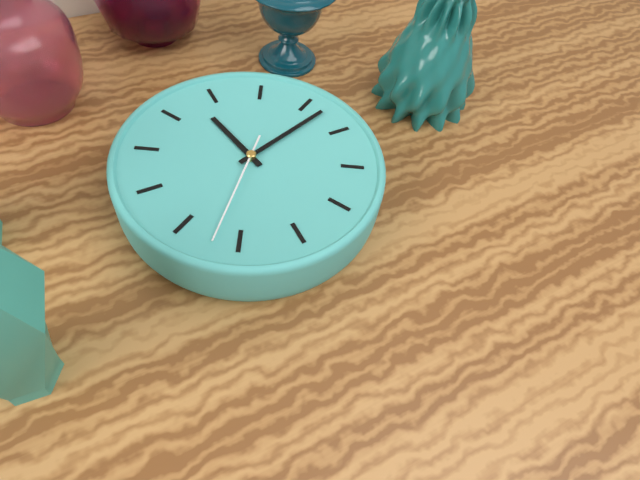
4:37:02
